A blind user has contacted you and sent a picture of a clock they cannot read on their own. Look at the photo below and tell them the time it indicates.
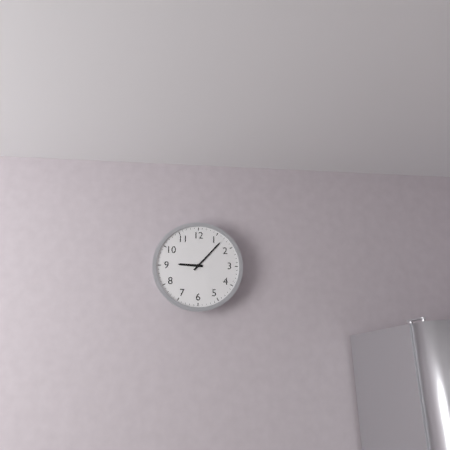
9:07
